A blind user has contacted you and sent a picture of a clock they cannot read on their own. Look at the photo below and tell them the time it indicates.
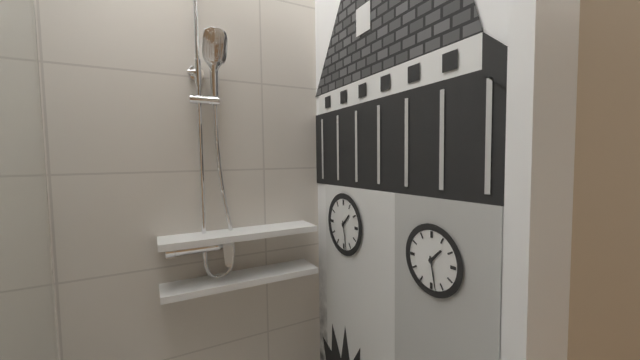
1:28
